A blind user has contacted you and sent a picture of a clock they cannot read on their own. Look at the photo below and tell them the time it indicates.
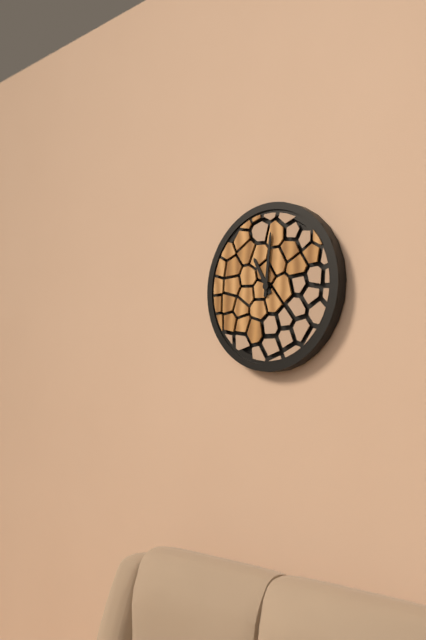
11:01
